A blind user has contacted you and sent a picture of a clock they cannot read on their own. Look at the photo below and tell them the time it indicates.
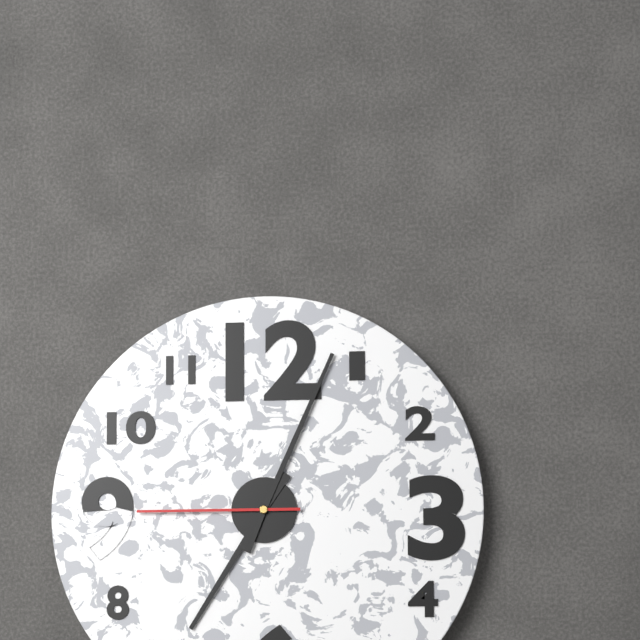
7:04:45
